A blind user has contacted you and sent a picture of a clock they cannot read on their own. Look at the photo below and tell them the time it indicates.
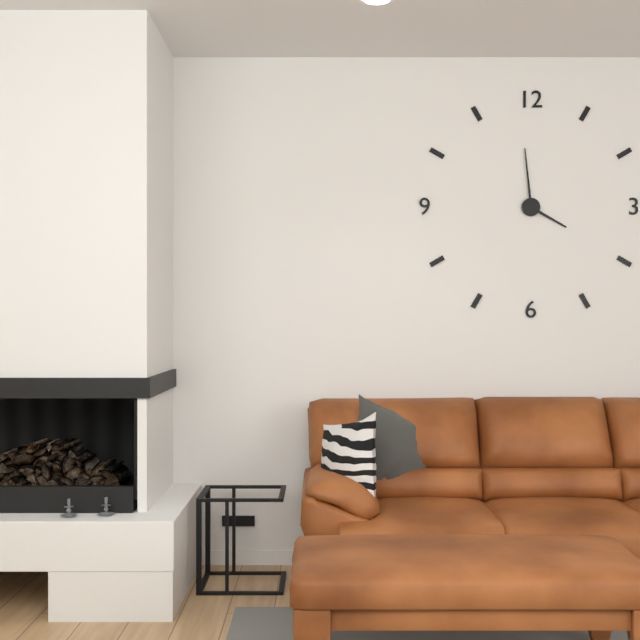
3:59
